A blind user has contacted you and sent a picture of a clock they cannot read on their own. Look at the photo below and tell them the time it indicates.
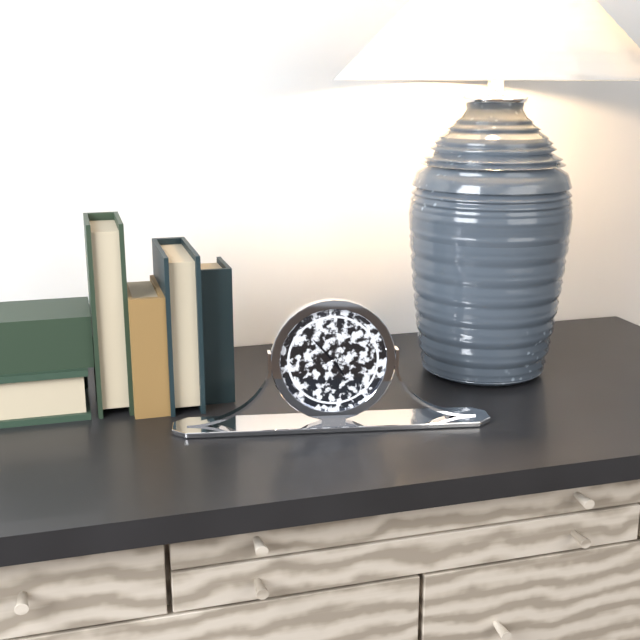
4:53
